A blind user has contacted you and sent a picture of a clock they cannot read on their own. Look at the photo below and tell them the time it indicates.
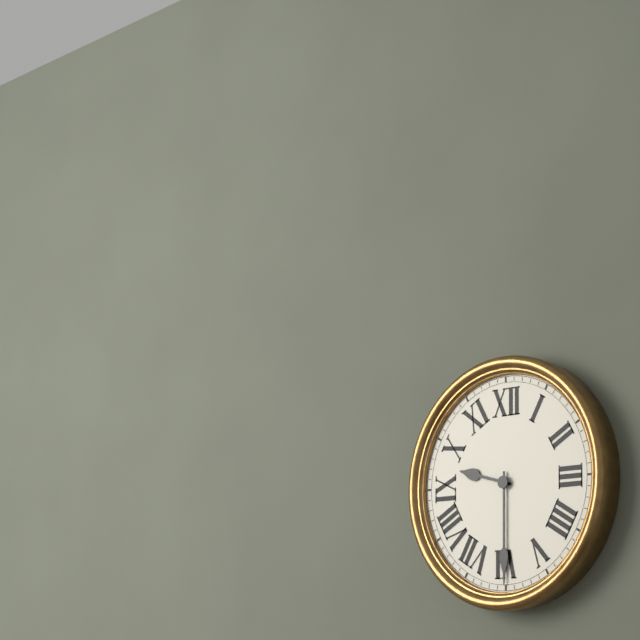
9:30
